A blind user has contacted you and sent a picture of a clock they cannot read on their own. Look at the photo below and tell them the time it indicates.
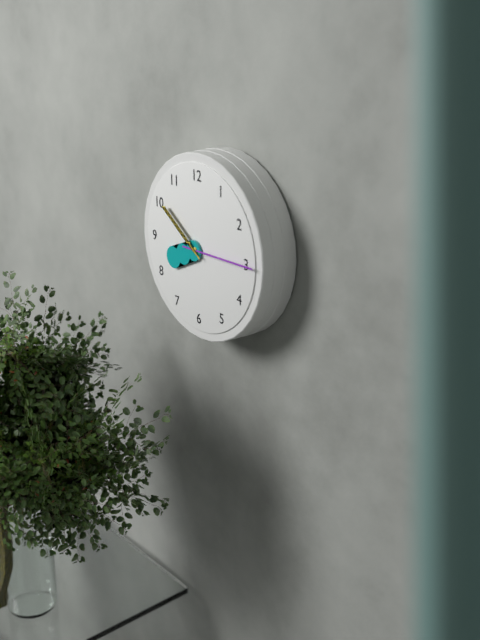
8:15:51
